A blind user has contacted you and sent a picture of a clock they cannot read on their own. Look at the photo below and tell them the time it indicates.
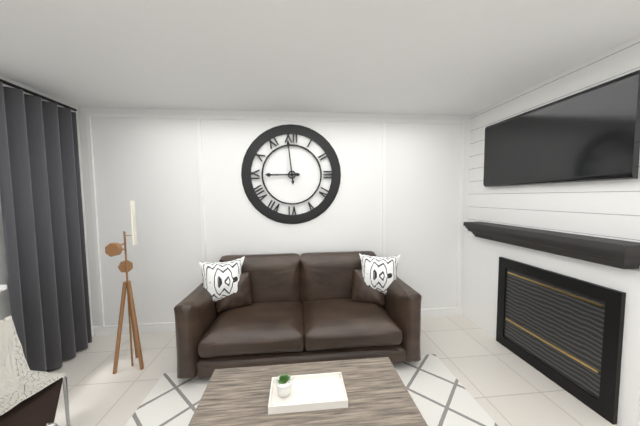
8:59
